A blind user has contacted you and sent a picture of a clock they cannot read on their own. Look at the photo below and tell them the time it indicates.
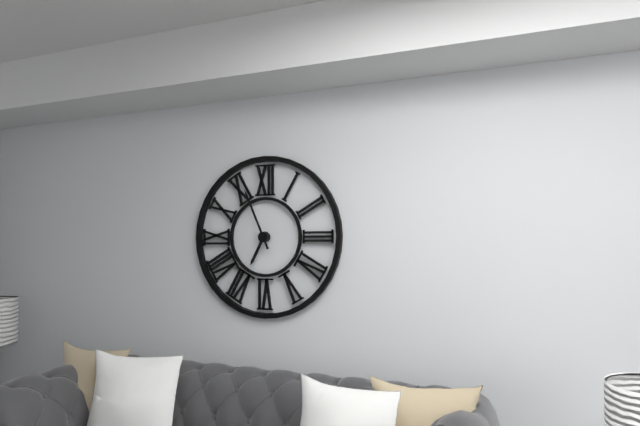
6:56
